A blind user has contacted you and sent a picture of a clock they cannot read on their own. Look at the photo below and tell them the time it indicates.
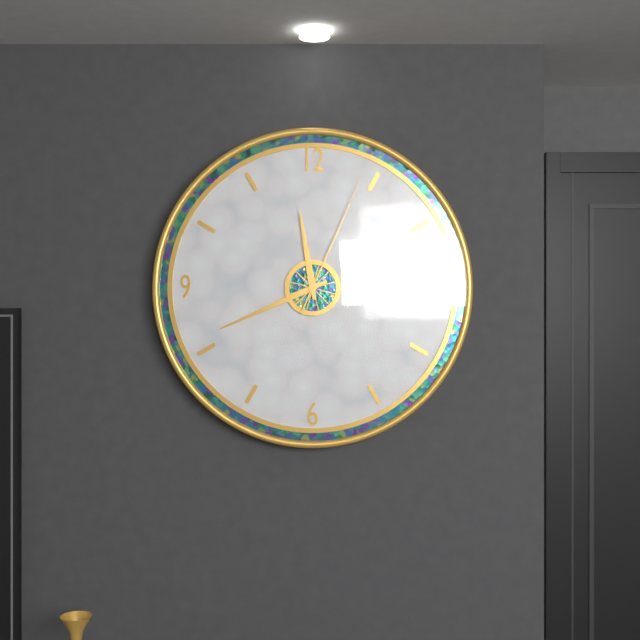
11:41:04
